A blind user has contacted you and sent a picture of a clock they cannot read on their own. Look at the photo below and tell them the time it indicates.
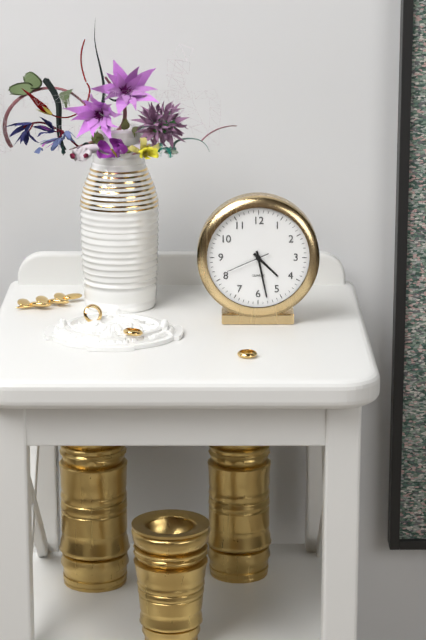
4:28
